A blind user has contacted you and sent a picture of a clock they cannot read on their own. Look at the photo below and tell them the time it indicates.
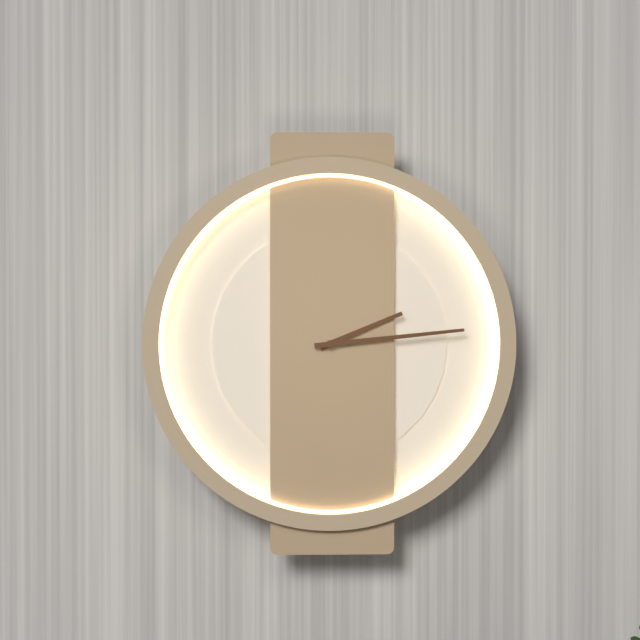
2:14
